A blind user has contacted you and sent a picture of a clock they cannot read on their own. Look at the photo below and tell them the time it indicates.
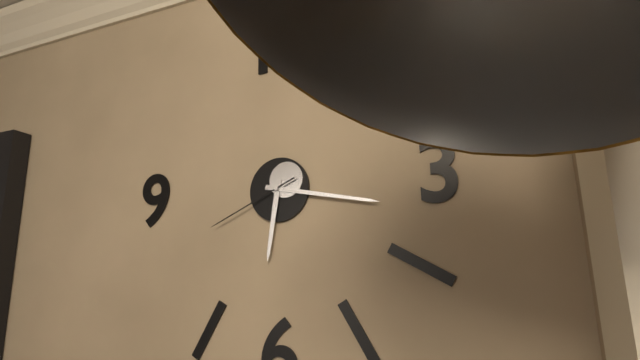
6:17:41
